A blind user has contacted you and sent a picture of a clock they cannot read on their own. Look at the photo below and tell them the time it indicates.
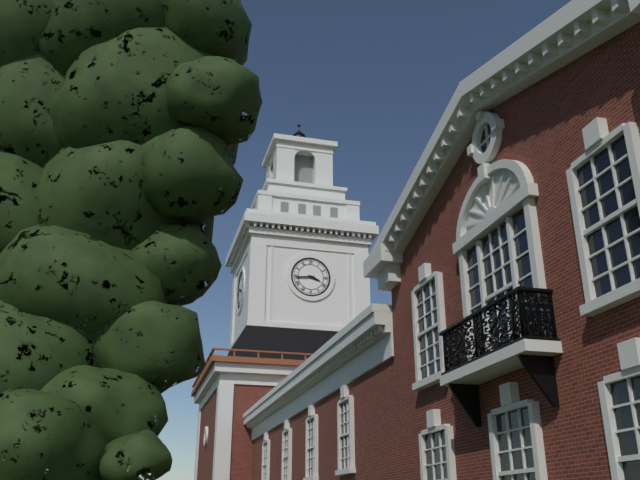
3:44
